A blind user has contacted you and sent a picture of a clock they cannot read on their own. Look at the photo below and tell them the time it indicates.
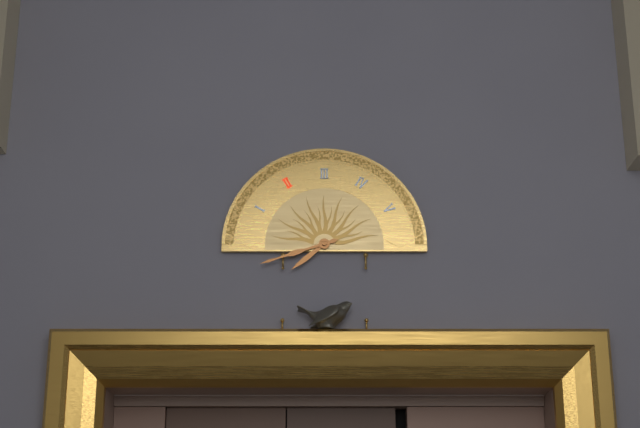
7:42
